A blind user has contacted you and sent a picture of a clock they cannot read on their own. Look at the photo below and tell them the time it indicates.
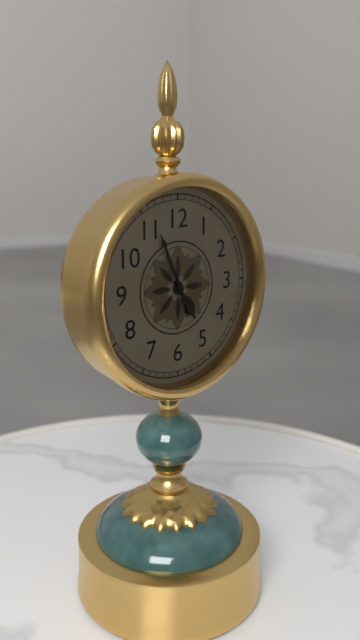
4:56
